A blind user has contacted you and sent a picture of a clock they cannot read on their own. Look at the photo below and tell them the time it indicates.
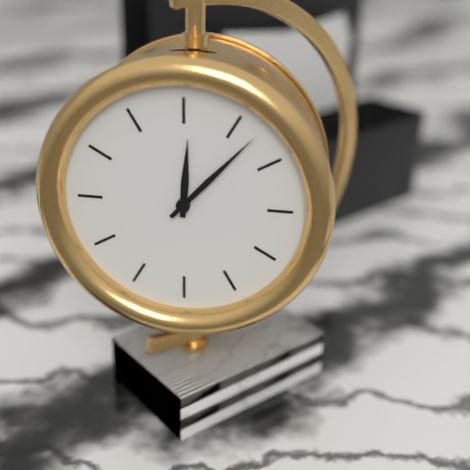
12:07
